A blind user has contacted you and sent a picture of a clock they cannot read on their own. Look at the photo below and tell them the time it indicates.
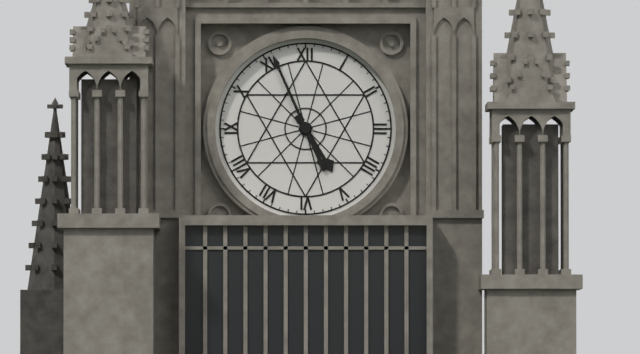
4:56
